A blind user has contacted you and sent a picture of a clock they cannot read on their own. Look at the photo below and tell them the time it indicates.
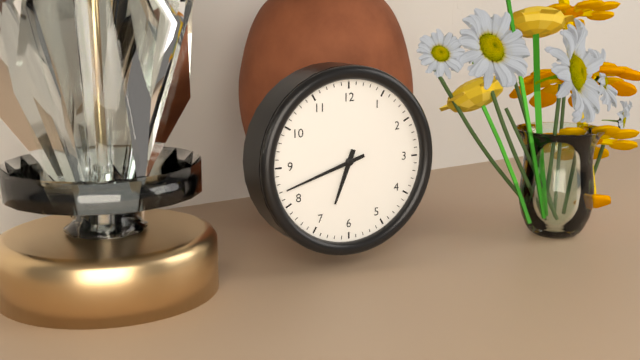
6:42
